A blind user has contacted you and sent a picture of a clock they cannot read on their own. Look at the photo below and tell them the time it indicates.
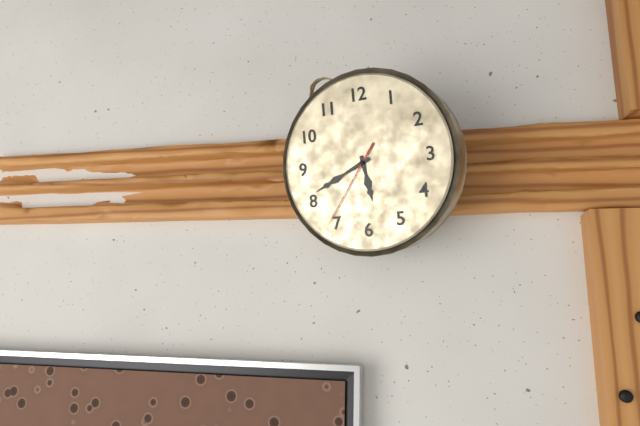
5:41:36
